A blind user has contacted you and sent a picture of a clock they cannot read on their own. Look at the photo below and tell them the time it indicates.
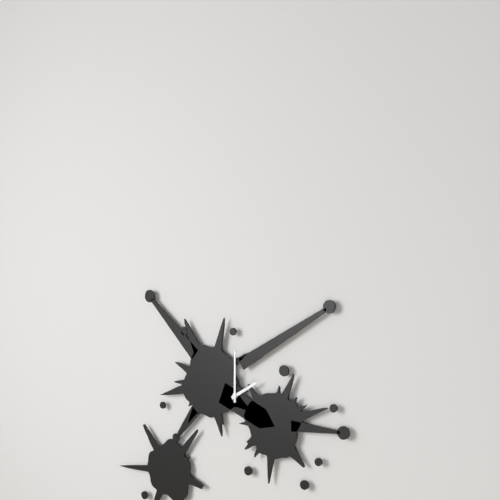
2:00
